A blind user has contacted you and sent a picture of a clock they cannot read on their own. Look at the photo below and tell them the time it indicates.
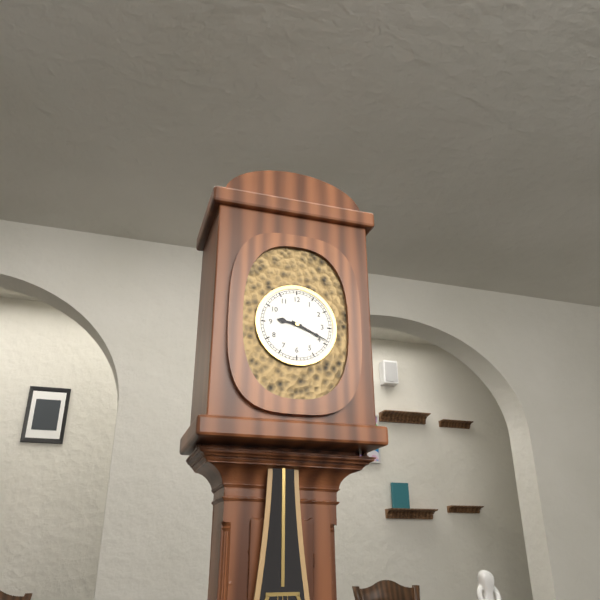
9:19
